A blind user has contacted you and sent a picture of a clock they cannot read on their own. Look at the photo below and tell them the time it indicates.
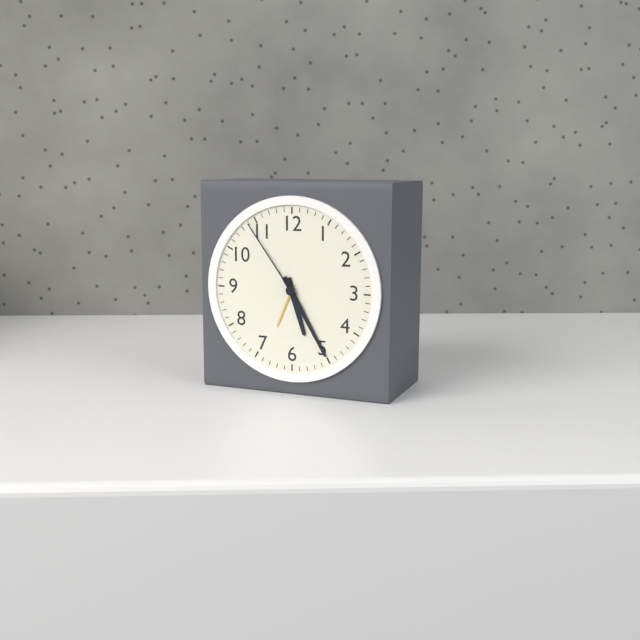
5:25:54
